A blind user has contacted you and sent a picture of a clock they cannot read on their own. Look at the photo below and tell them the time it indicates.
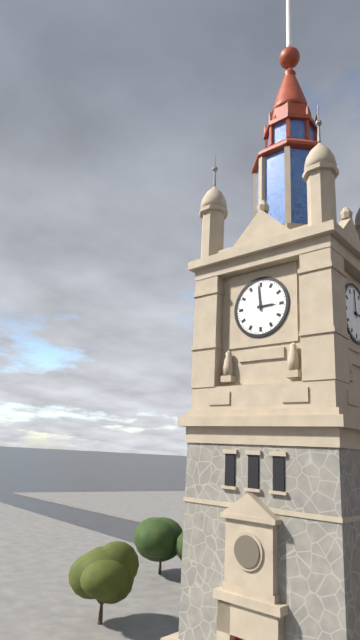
2:59
